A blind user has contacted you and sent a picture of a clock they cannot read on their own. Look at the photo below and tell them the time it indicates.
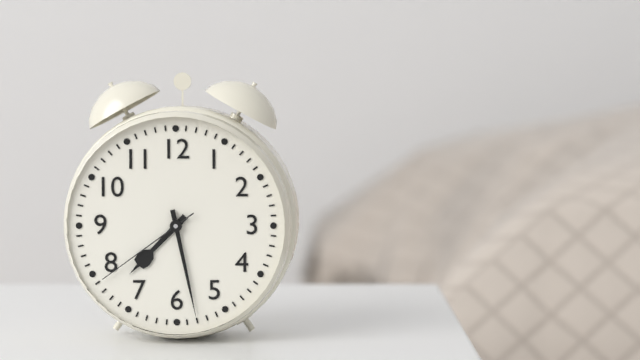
7:28:39
